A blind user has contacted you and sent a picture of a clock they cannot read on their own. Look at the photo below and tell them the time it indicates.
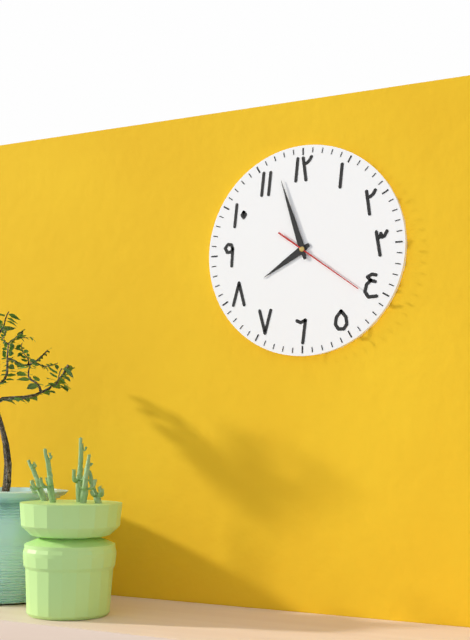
7:57:21
